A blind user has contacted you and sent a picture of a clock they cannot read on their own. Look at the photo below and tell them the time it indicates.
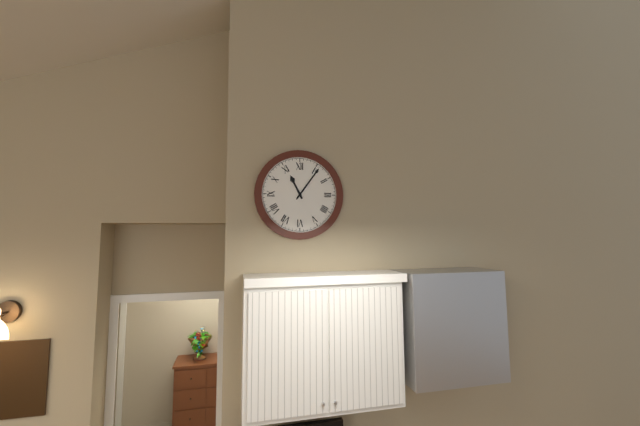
11:06
